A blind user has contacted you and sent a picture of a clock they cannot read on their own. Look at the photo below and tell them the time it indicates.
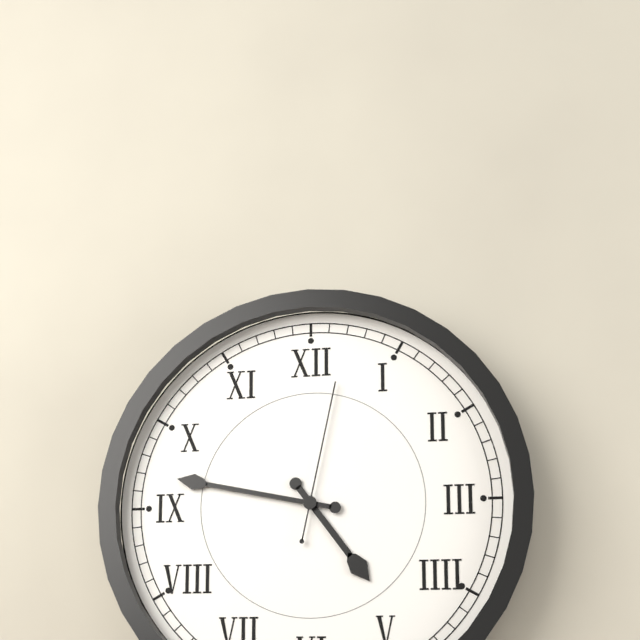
4:47:02
